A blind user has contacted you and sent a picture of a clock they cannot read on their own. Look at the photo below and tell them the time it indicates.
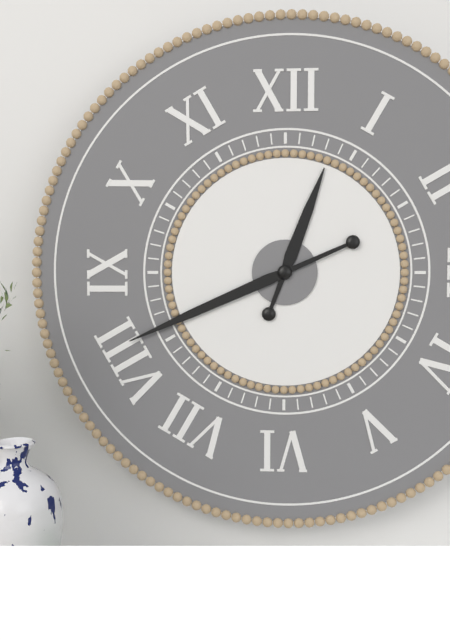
12:41
